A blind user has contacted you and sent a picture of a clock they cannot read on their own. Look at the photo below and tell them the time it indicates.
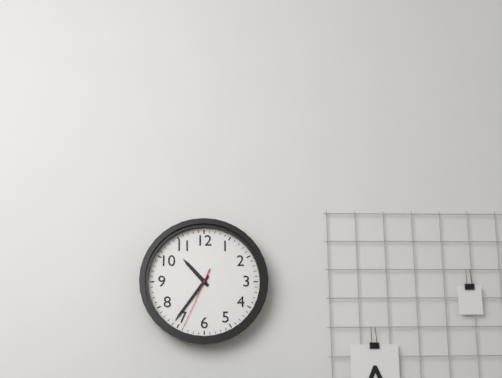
10:36:34
